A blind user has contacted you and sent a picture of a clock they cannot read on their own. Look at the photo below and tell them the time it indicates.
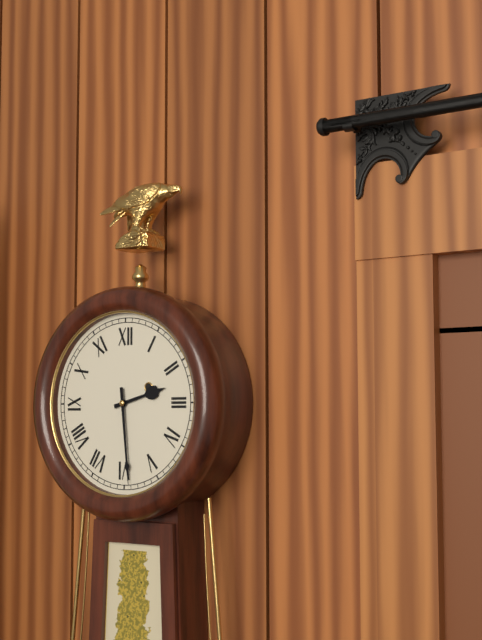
2:29
